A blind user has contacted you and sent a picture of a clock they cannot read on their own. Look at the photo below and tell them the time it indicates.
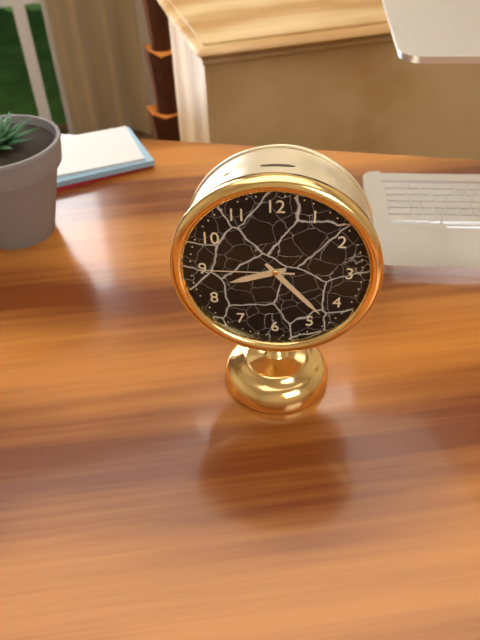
8:23:45
